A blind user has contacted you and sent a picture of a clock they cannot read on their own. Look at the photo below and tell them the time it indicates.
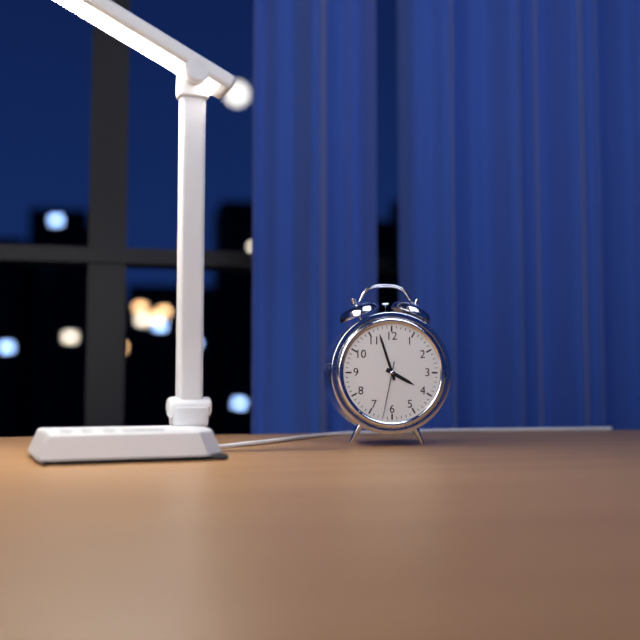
3:57:32
